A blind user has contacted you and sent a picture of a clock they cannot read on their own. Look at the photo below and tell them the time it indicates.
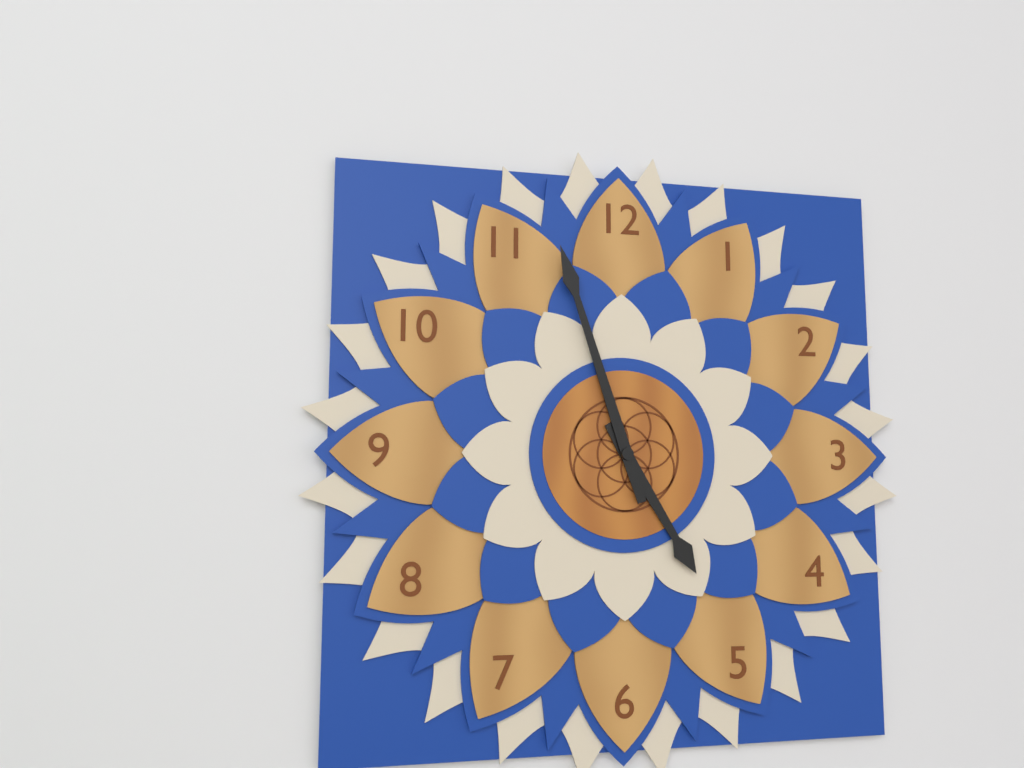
4:57
